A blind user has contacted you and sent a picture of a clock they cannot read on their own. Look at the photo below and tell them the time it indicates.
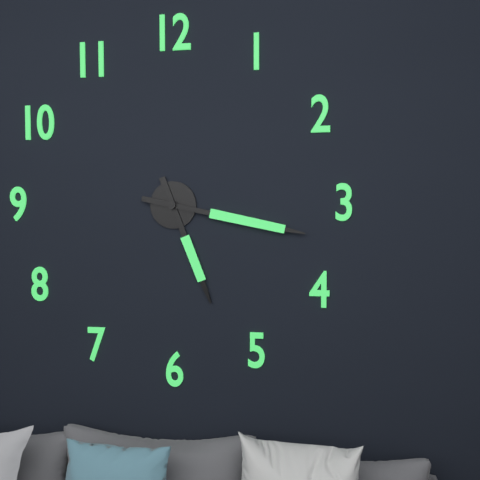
5:17
